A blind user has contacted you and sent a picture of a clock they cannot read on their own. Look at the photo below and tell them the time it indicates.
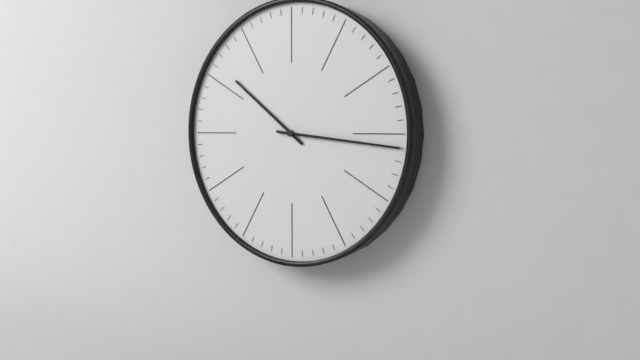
10:16
